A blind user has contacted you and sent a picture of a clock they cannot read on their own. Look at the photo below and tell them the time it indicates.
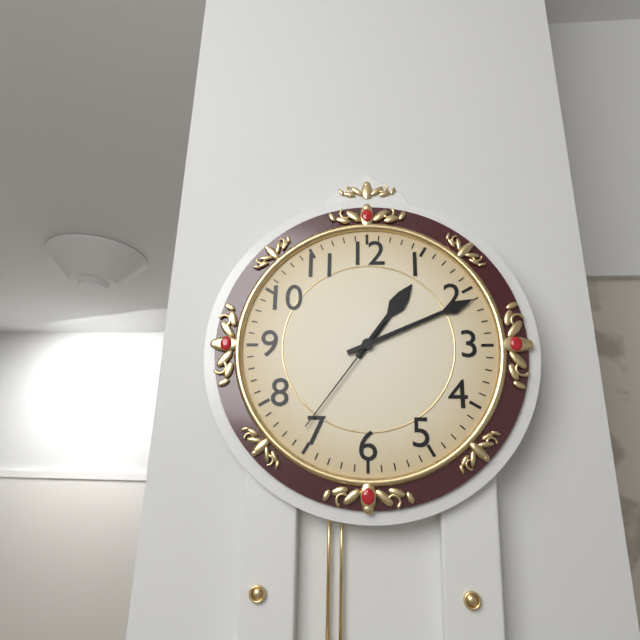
1:11:36
